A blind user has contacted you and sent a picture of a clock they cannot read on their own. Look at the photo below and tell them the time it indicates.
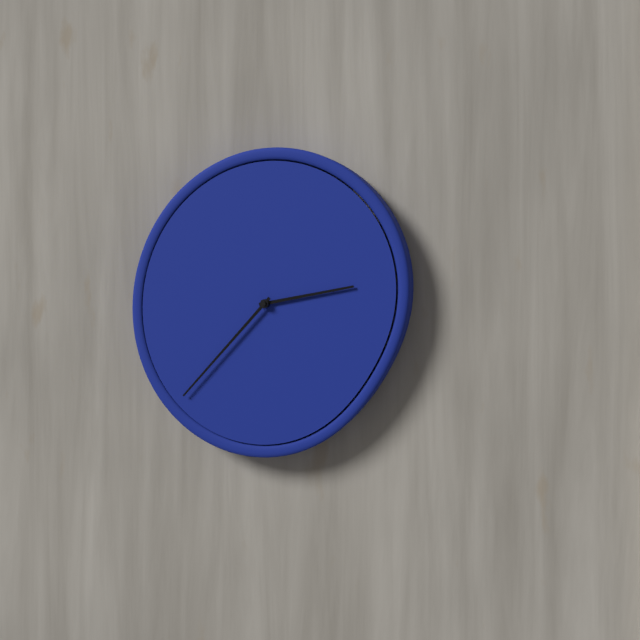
2:37
